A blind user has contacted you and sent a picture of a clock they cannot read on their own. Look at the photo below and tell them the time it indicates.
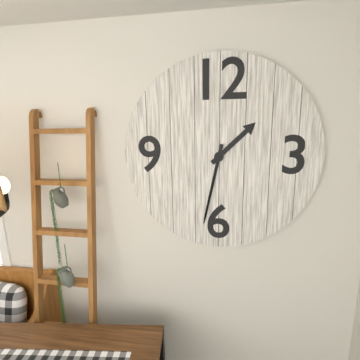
1:32
